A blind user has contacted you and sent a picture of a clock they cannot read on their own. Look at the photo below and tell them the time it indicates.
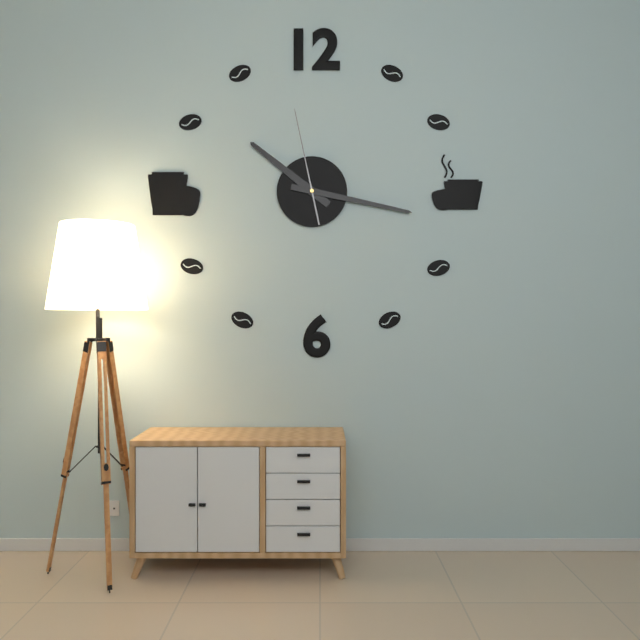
10:17:58
